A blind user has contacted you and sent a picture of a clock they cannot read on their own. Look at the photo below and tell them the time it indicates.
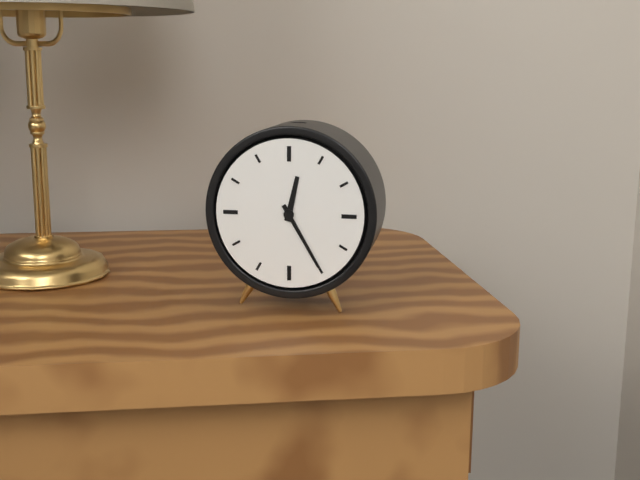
12:25
